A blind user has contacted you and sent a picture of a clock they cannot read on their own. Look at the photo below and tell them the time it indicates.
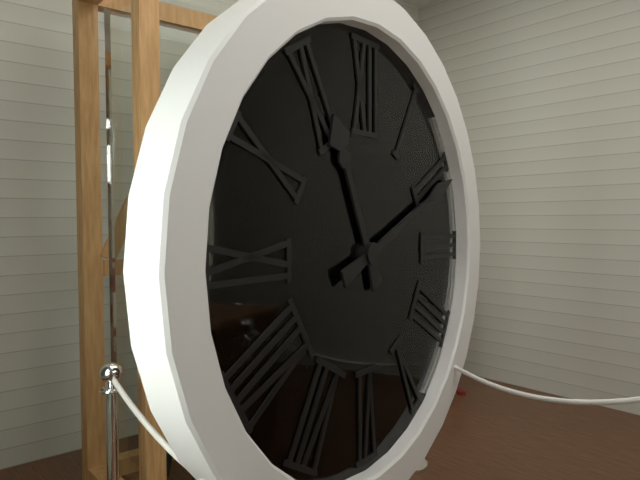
11:11
